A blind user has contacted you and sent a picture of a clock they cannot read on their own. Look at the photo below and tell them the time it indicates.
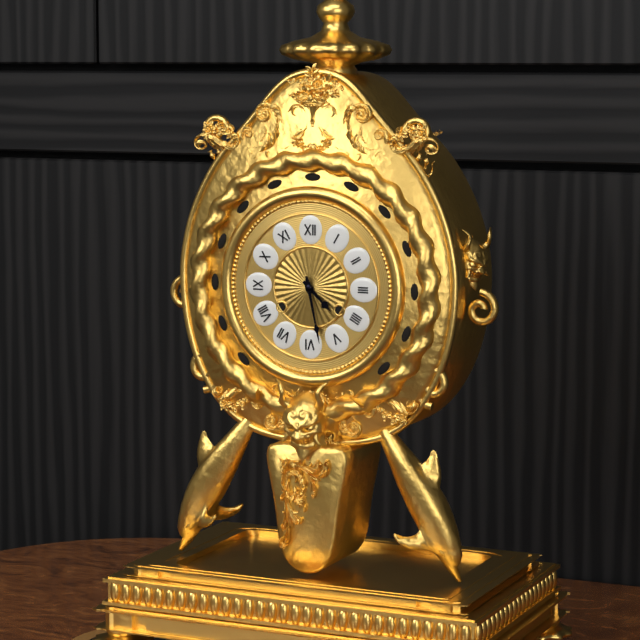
4:28
